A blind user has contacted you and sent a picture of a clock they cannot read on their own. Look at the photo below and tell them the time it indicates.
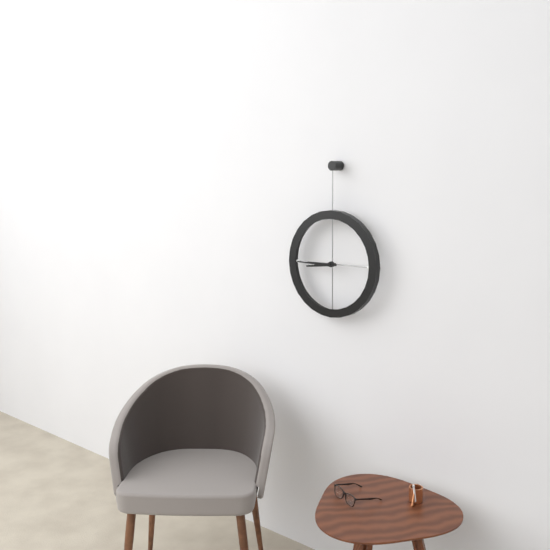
8:45
